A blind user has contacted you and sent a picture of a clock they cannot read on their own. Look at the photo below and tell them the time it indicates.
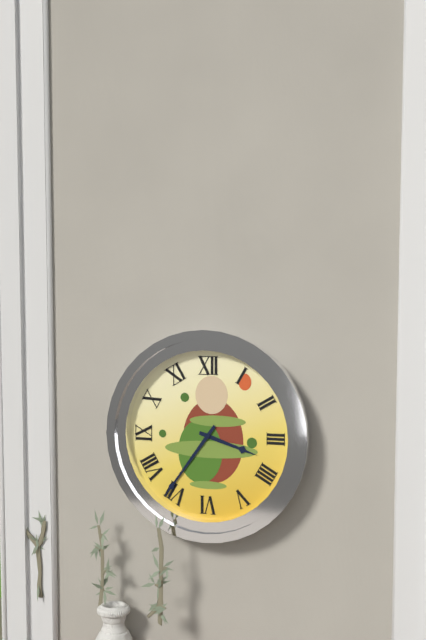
3:36
